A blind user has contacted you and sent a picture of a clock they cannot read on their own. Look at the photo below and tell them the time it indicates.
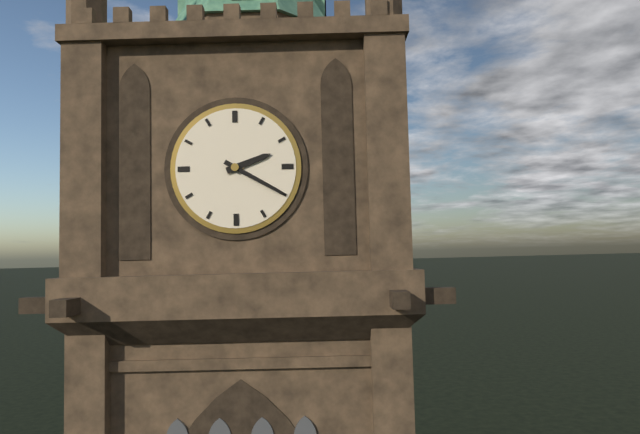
2:20
